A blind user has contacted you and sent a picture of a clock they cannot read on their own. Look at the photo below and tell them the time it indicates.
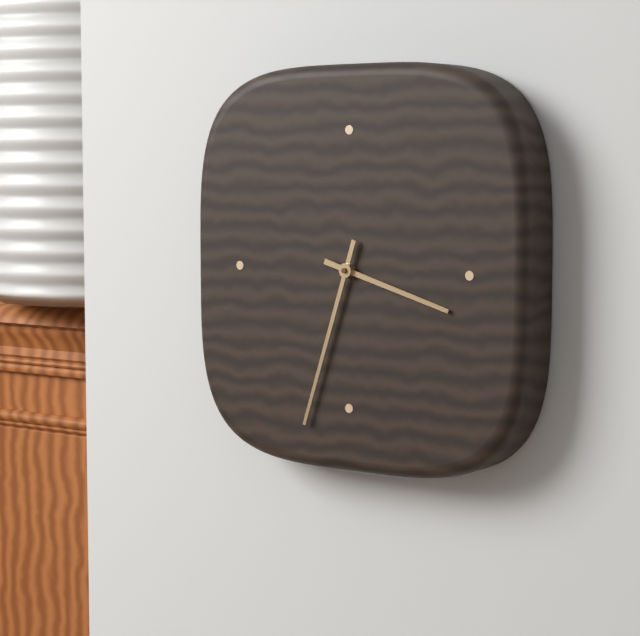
3:33
